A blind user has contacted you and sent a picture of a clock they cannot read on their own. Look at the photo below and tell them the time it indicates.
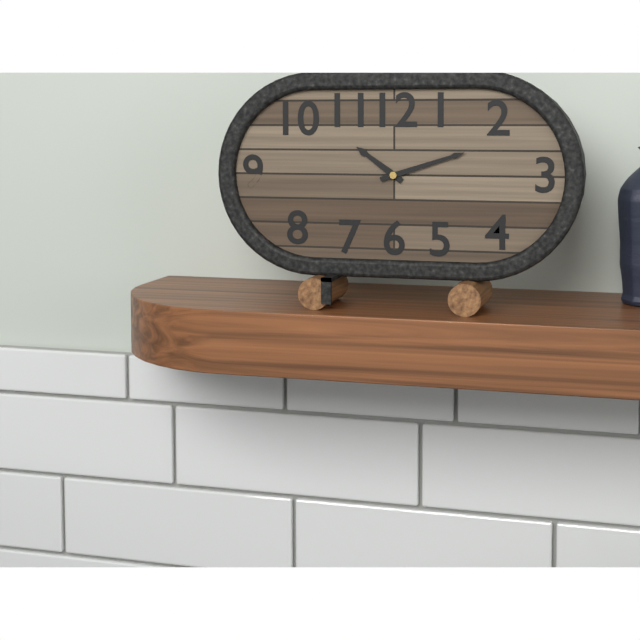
10:12
